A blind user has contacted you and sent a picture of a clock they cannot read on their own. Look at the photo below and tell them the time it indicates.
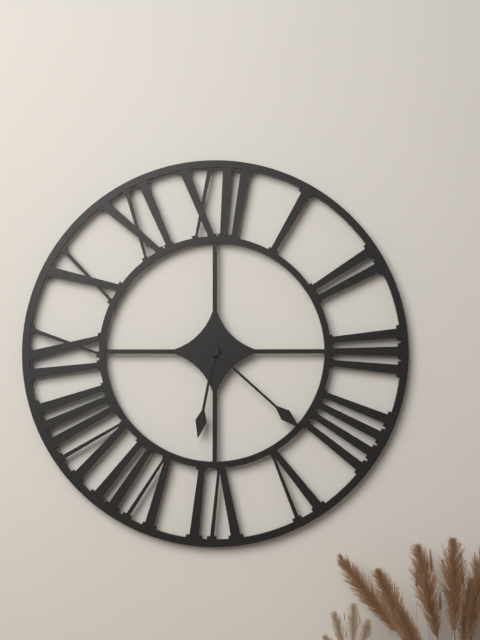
6:22
